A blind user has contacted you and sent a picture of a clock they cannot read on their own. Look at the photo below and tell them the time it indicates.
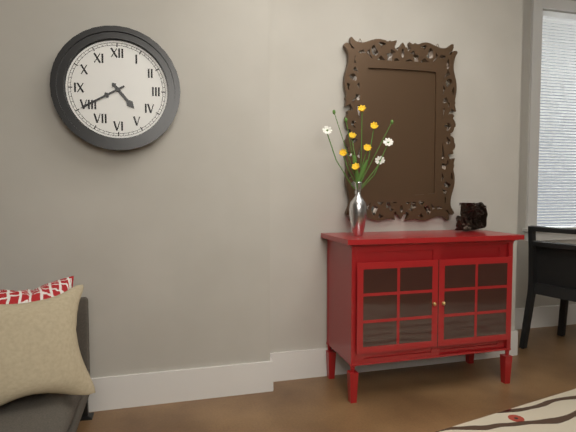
4:40
